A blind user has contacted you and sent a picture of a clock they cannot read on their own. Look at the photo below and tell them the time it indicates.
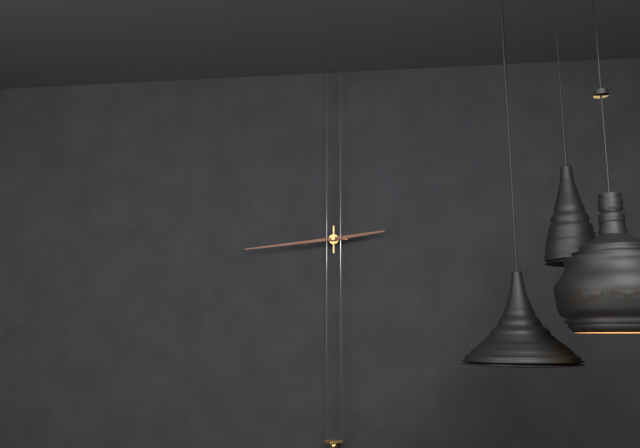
2:44
